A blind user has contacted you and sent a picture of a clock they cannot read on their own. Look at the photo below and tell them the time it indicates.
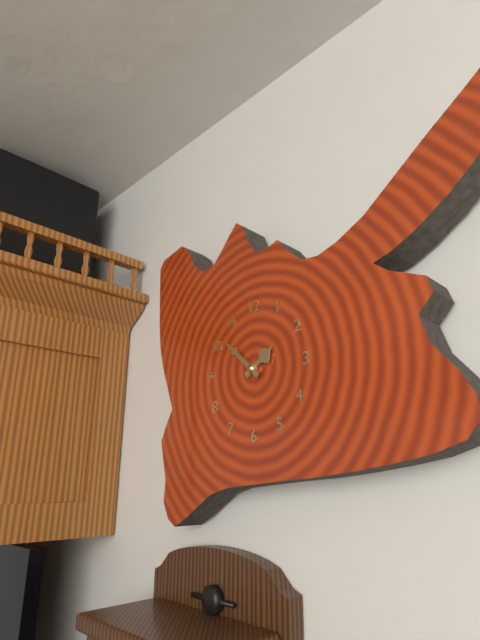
1:52
